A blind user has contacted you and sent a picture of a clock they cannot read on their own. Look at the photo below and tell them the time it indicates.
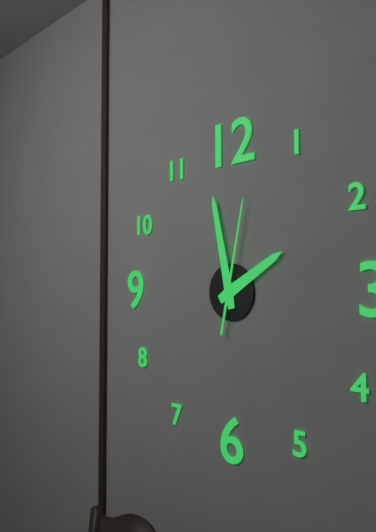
1:58:02
